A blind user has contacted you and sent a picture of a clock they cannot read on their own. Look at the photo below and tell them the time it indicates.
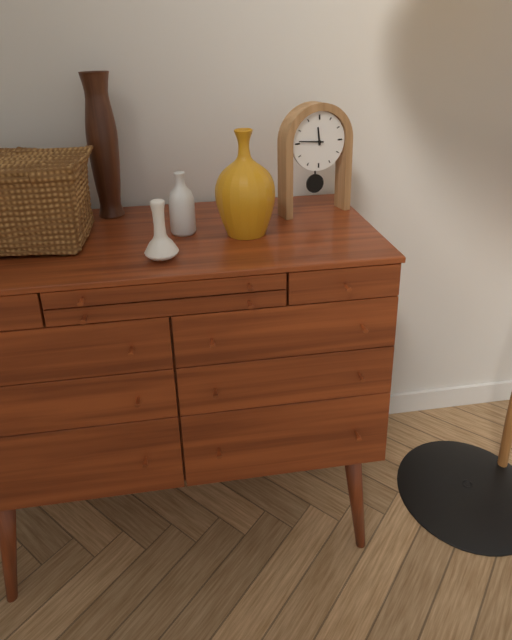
11:46
